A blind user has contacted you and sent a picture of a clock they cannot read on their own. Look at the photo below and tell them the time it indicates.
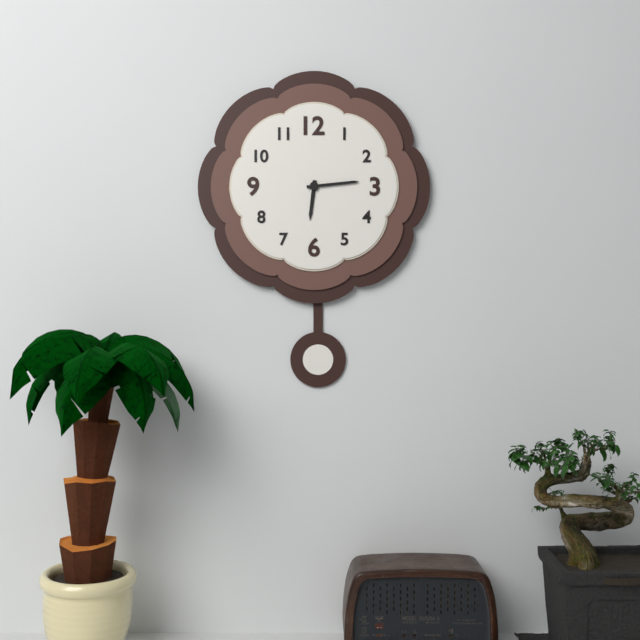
6:14
